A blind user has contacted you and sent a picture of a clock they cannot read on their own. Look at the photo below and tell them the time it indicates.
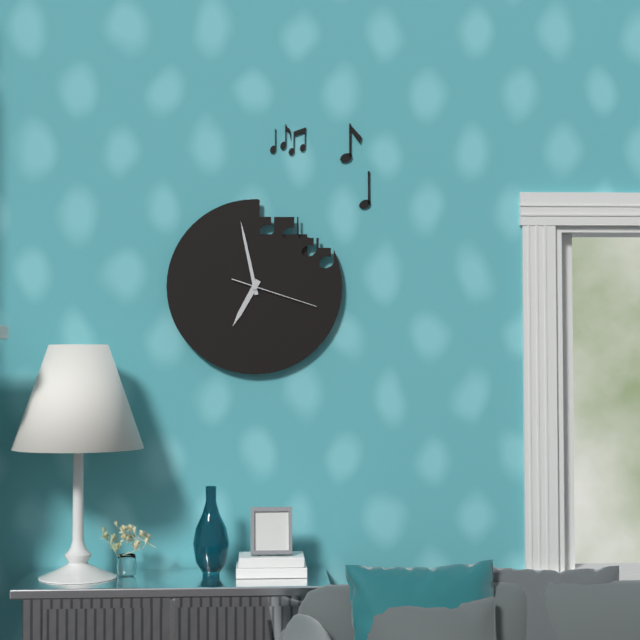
6:58:18
